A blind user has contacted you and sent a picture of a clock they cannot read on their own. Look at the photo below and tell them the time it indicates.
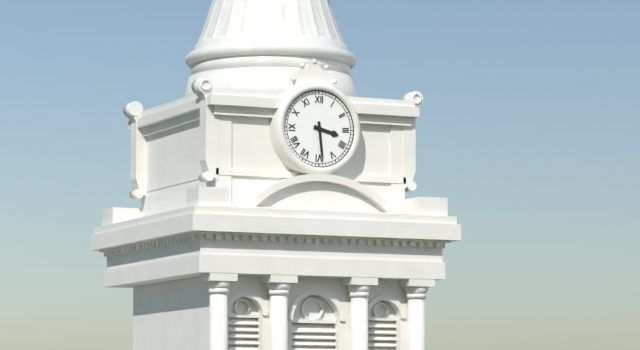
3:29
